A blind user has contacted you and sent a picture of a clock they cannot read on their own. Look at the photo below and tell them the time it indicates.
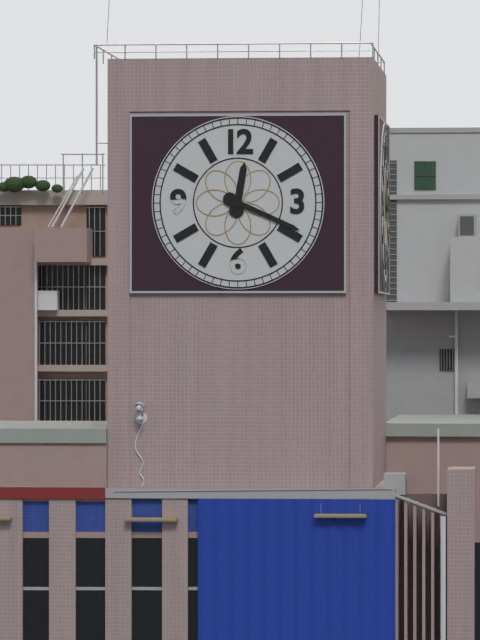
12:19
